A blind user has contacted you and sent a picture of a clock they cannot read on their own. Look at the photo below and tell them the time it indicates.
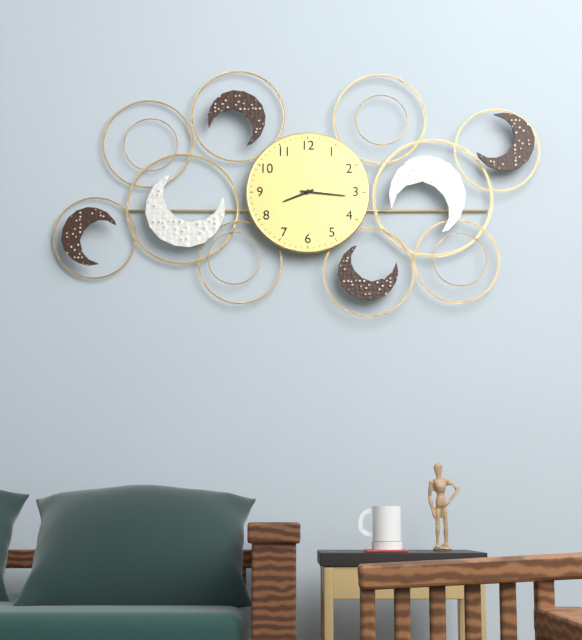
8:16
